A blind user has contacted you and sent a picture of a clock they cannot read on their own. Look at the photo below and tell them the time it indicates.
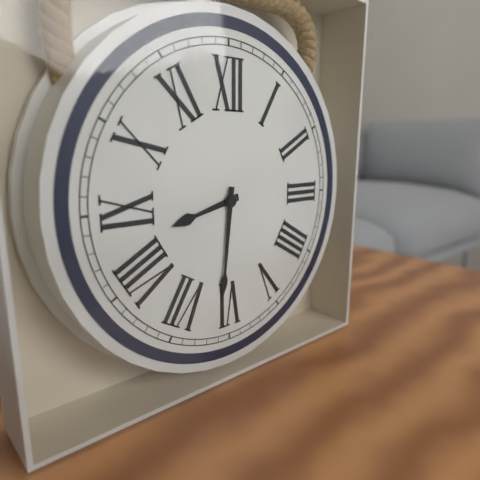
8:31
